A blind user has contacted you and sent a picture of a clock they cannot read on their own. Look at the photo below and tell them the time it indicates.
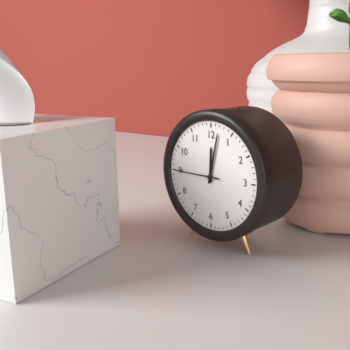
12:02
